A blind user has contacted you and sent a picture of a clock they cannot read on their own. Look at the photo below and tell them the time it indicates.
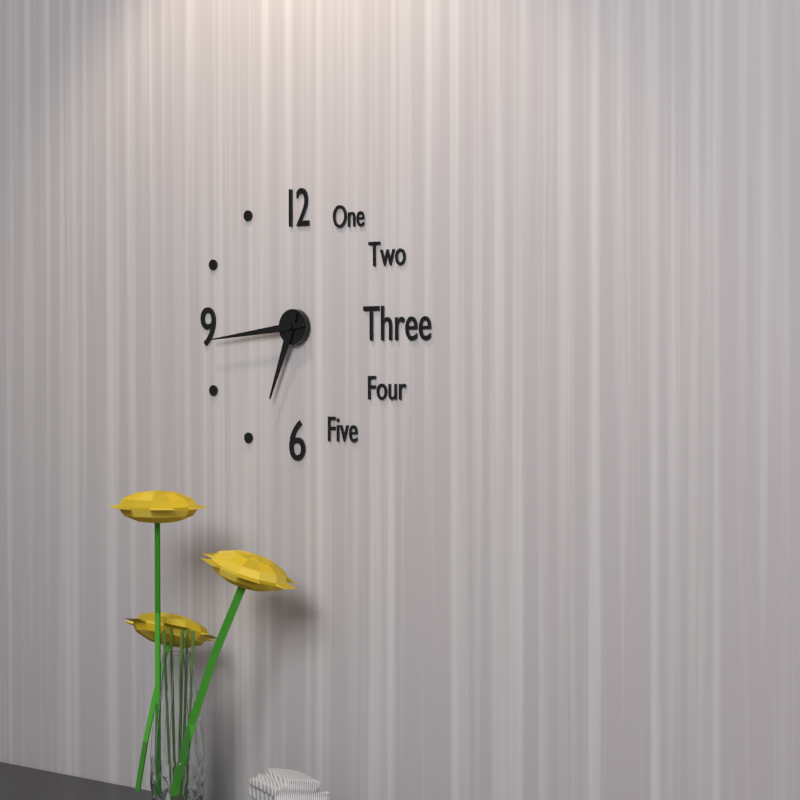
6:44
